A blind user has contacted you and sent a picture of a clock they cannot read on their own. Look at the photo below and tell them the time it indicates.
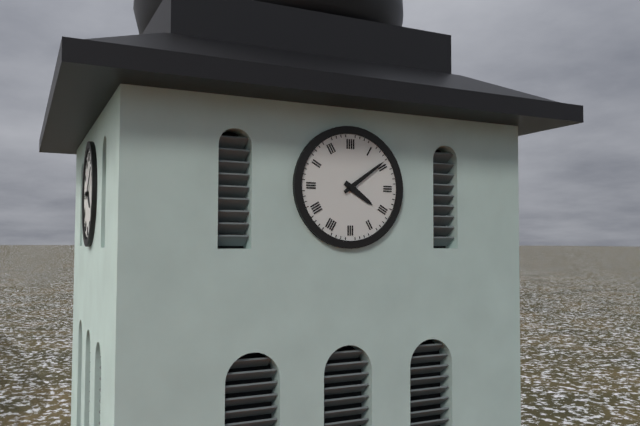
4:09
